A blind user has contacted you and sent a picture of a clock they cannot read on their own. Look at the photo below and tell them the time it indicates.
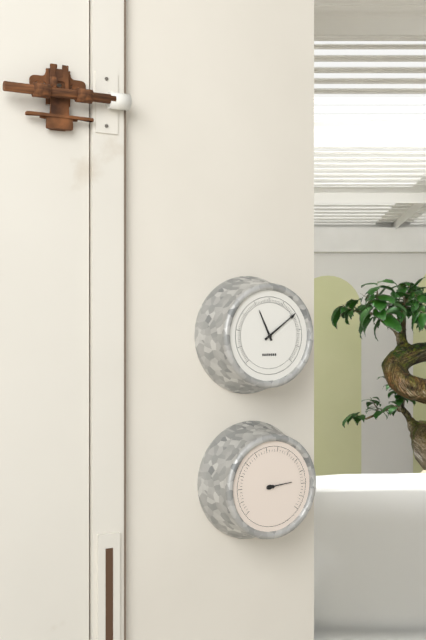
11:09
